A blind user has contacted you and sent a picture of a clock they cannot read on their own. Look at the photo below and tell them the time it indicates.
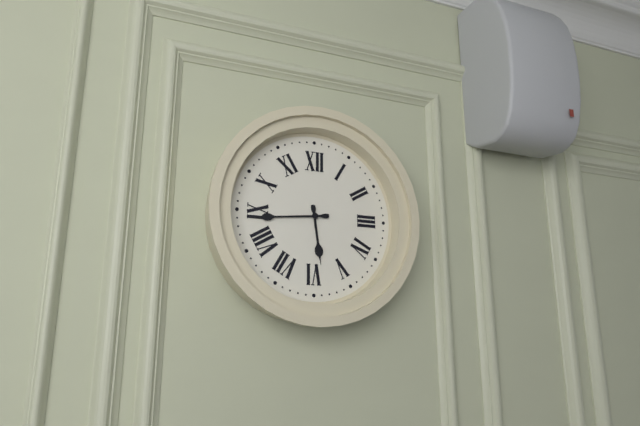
5:44
